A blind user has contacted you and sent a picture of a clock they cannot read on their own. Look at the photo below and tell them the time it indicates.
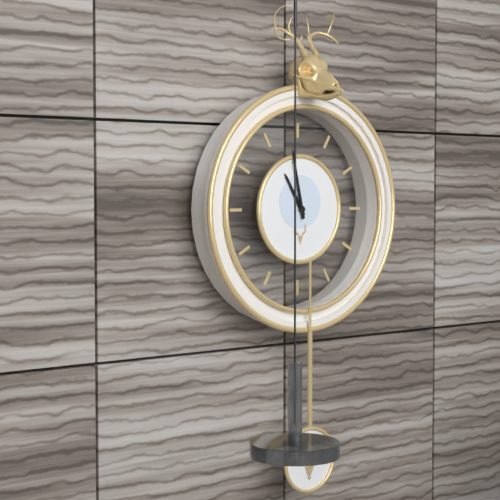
10:58
